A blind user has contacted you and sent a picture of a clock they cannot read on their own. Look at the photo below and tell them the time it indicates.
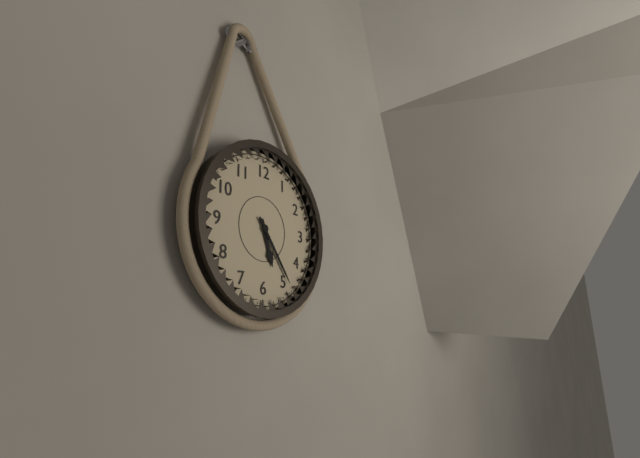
5:24
